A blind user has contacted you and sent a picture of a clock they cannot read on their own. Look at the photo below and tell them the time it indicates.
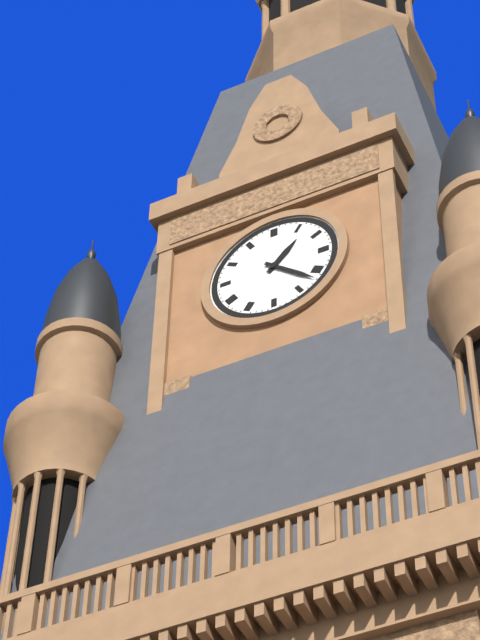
1:22
